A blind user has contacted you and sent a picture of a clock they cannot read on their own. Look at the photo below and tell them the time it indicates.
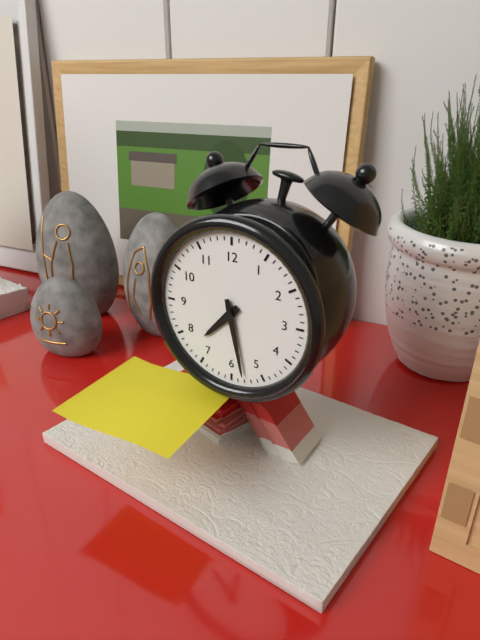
7:28
